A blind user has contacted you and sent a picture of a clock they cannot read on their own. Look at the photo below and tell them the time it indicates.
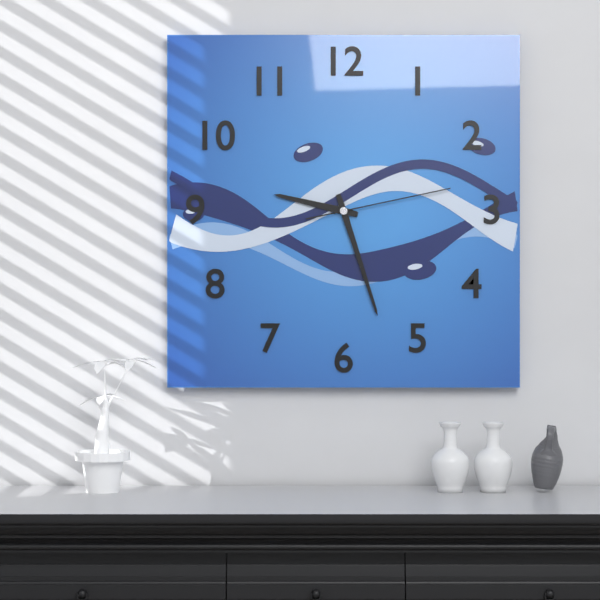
9:27:13
